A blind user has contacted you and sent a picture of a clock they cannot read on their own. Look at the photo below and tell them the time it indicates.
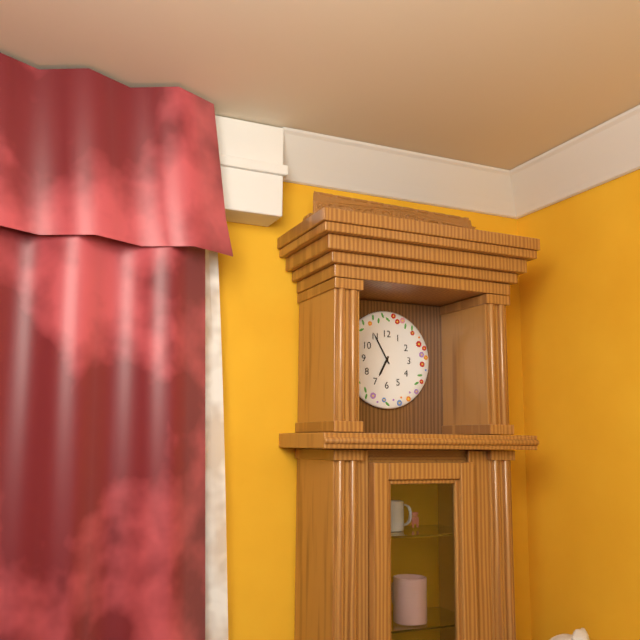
6:55
